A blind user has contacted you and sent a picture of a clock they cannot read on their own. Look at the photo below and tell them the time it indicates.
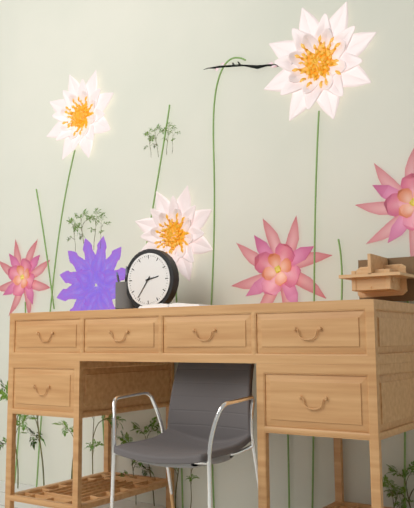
2:36
